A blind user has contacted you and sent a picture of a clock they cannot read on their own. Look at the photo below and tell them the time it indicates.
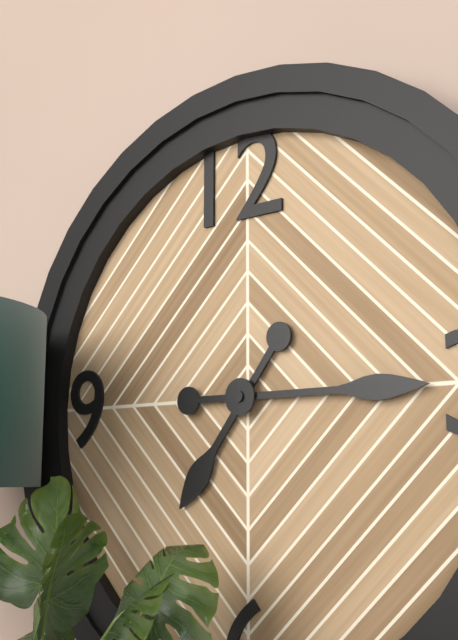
7:15
